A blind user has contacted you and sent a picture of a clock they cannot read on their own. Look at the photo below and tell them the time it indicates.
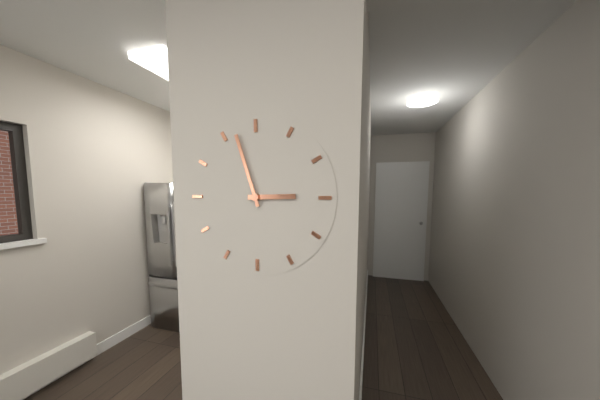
2:57
